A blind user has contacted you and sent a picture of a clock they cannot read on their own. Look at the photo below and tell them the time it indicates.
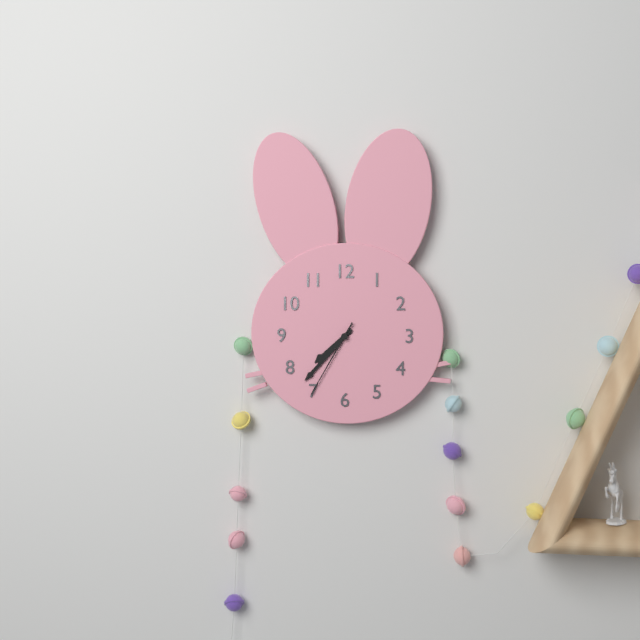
7:37:35
